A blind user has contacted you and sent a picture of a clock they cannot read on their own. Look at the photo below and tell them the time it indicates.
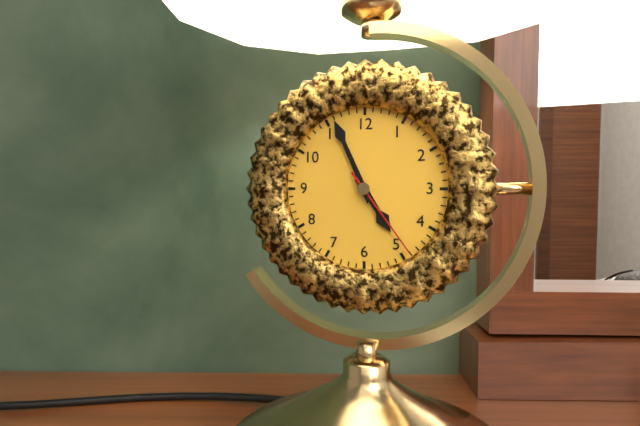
4:56:24
